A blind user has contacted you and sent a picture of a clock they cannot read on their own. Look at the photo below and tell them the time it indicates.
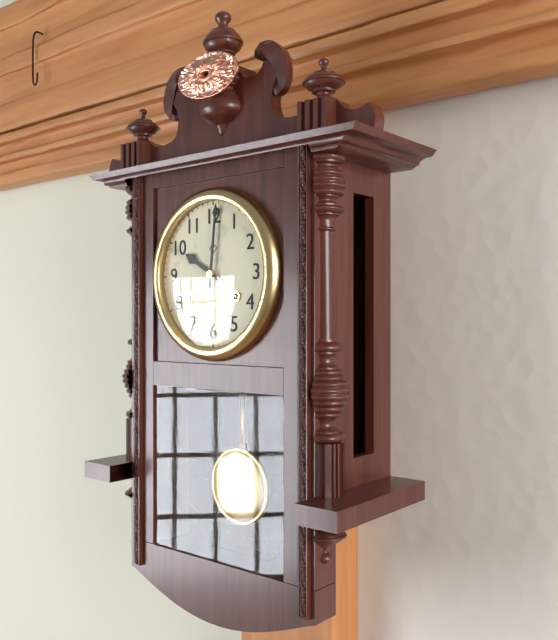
10:01
